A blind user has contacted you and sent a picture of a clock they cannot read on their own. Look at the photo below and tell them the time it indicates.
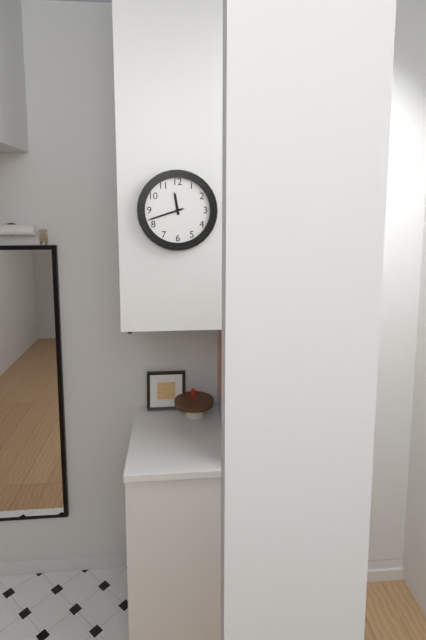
11:42
